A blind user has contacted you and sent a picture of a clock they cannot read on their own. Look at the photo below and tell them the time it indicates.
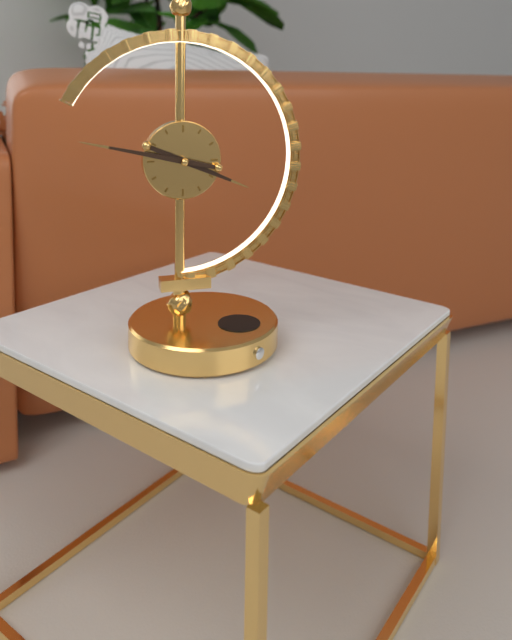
3:47
